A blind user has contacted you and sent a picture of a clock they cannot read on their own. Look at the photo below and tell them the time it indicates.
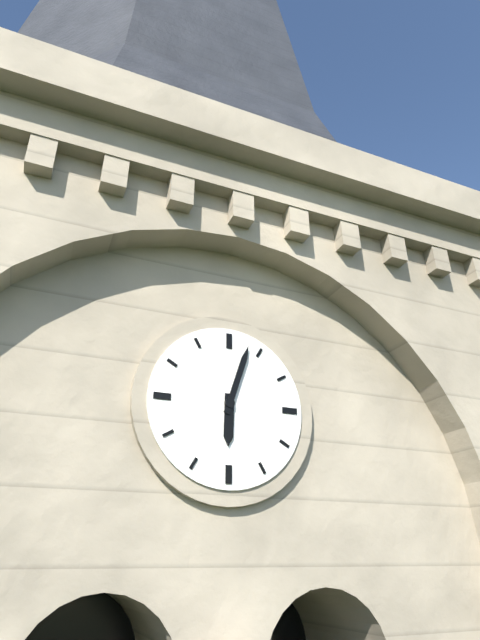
6:03
